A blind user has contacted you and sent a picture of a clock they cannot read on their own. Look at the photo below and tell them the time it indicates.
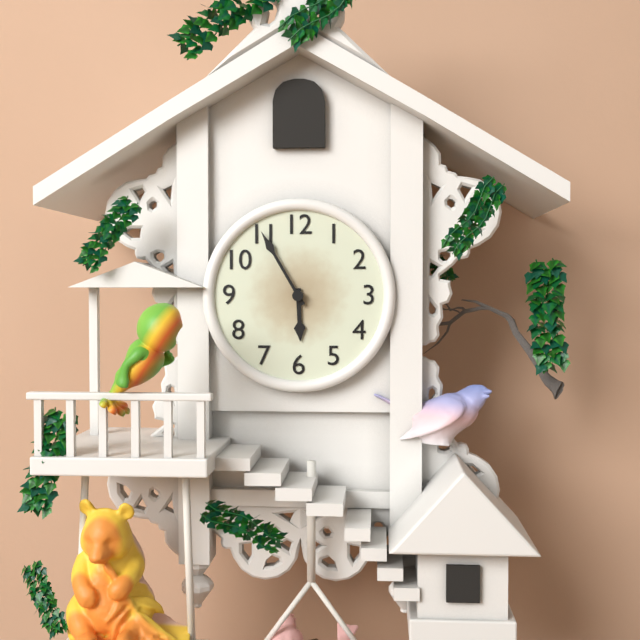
5:55
